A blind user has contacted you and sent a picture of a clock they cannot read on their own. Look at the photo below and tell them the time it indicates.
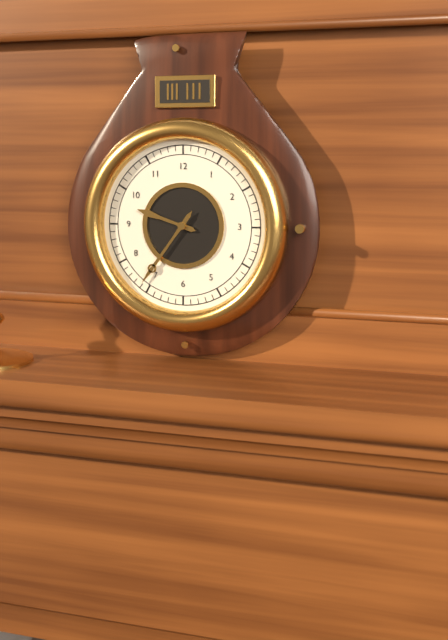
9:36
